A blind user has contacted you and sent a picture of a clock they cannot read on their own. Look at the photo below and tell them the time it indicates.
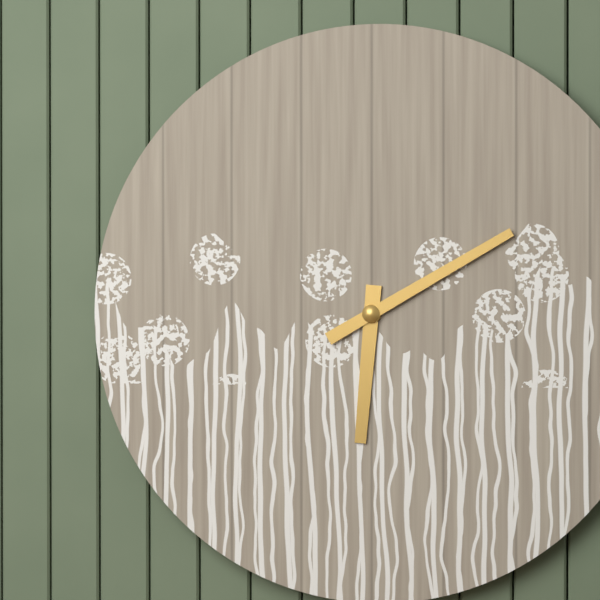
6:10
